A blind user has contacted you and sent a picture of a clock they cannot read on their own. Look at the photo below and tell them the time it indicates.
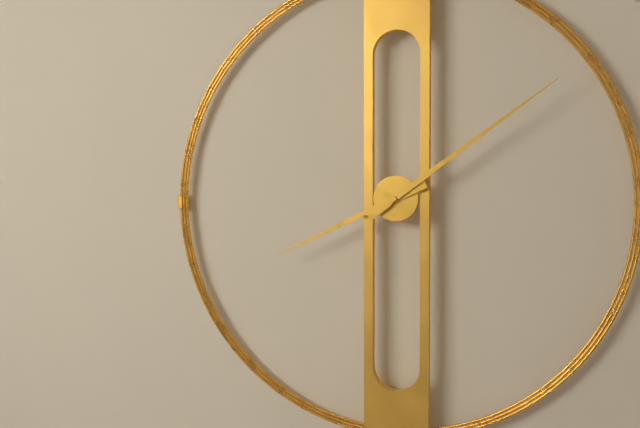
8:09
